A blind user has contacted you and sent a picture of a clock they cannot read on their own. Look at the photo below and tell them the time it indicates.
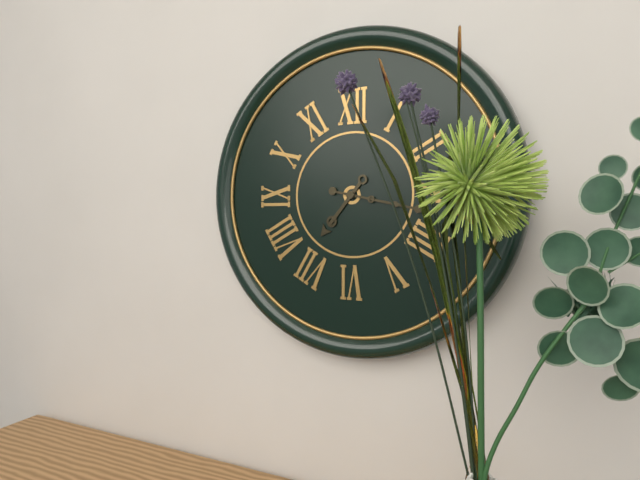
7:17
